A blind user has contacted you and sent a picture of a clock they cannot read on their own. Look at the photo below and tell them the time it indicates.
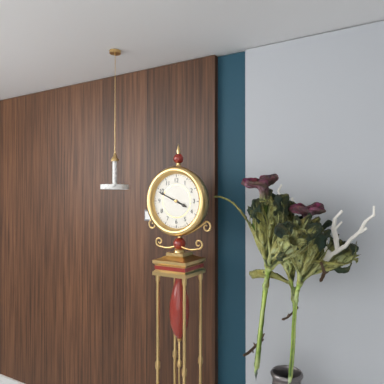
3:49
